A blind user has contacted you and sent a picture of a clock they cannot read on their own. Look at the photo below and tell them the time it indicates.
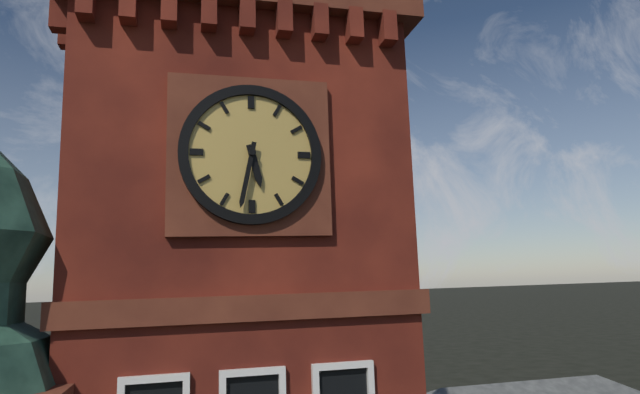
5:32
